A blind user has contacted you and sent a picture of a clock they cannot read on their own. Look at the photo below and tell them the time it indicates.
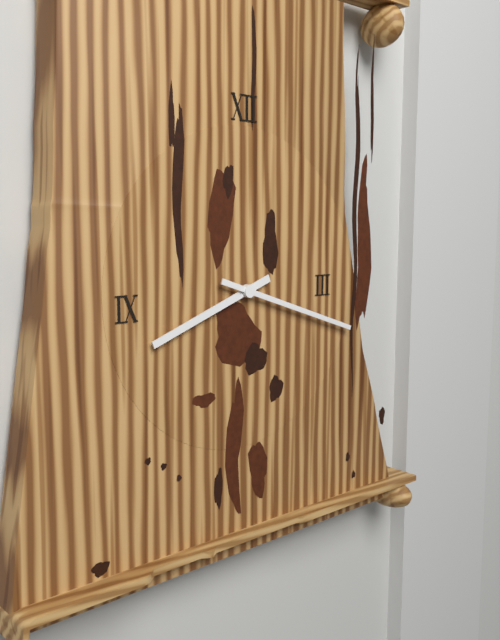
8:18
